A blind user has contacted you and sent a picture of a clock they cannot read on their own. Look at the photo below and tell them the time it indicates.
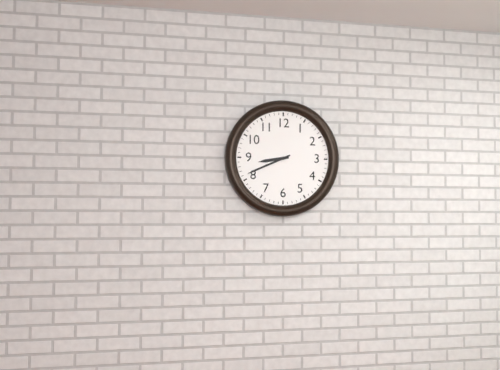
8:41
